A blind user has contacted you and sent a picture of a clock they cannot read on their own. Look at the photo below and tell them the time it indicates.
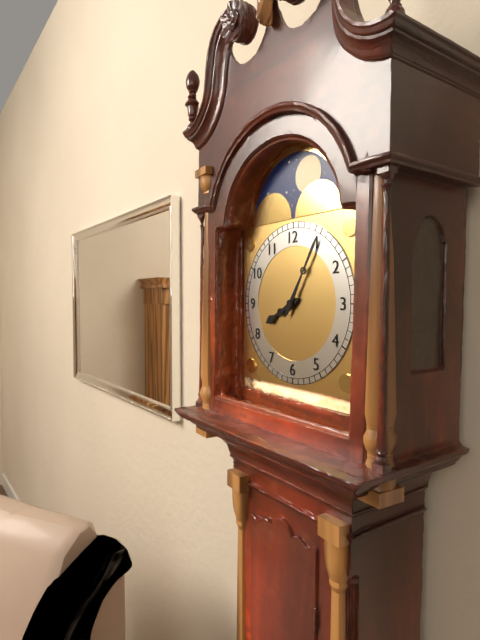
8:05
